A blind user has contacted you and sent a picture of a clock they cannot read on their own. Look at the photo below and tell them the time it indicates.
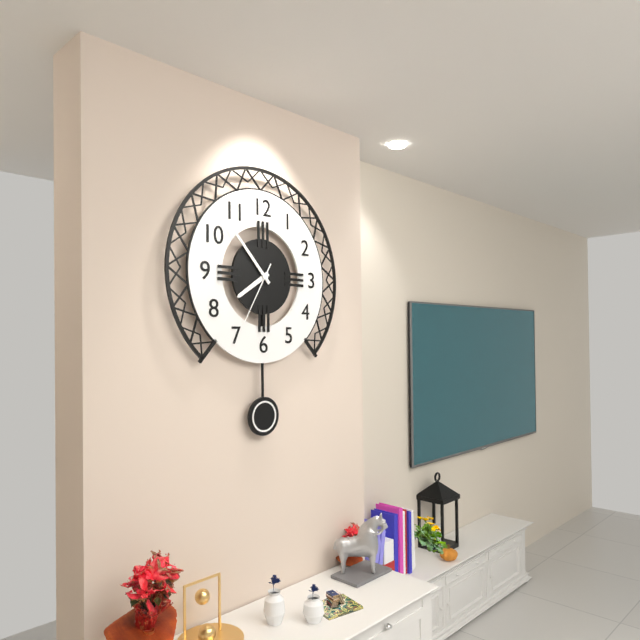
7:53:35
